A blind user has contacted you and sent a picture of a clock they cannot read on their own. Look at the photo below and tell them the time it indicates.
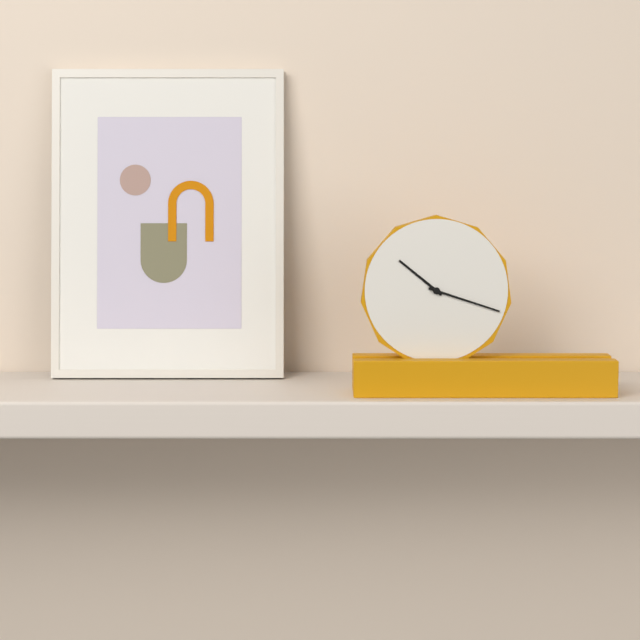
10:18
